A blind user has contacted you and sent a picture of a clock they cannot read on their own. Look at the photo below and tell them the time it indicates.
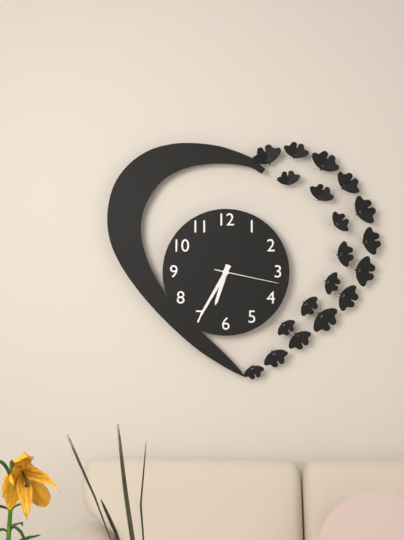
6:35:17
